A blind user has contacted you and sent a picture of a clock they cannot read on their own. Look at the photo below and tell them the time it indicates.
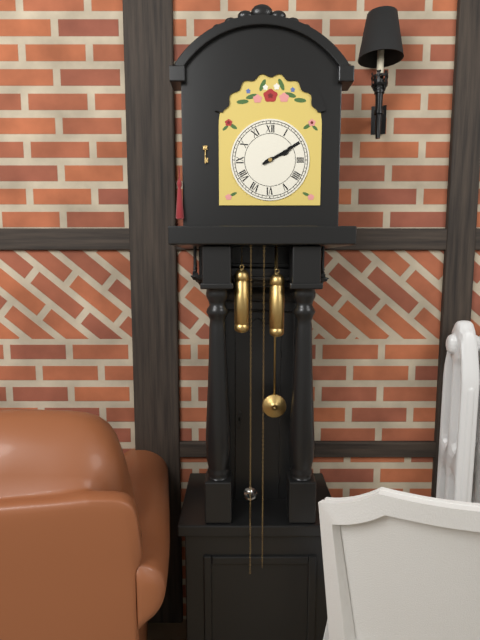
2:10
